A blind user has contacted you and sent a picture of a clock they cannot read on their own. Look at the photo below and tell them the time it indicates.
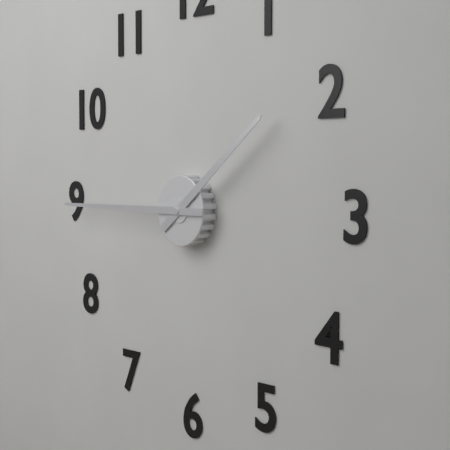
1:45
